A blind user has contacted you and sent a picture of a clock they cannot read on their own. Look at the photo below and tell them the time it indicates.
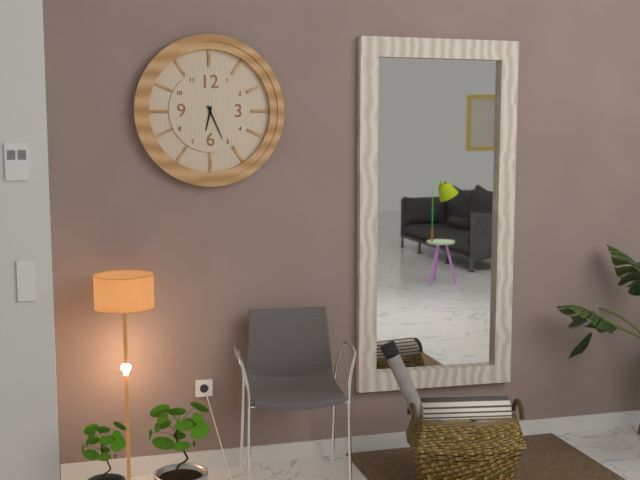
6:26
